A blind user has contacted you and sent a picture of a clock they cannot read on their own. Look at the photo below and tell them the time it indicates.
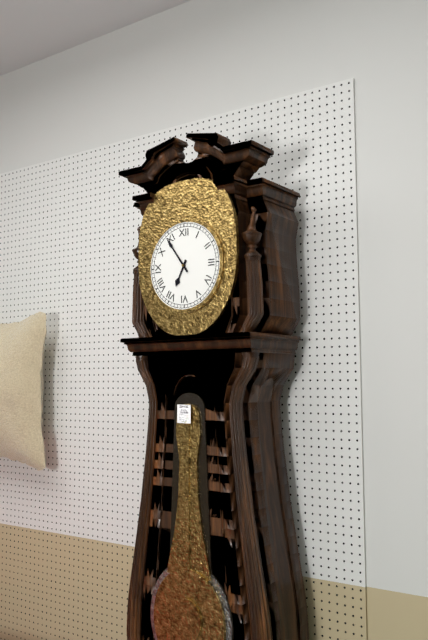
6:54
